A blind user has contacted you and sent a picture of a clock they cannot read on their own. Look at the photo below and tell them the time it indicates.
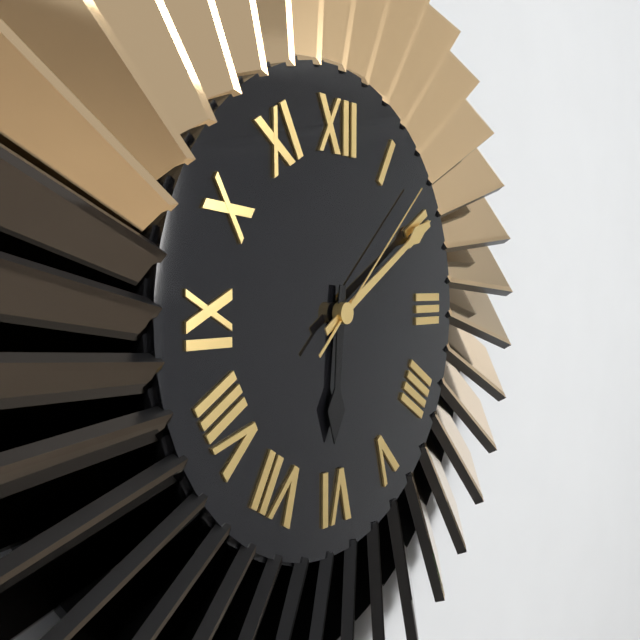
6:10:08
